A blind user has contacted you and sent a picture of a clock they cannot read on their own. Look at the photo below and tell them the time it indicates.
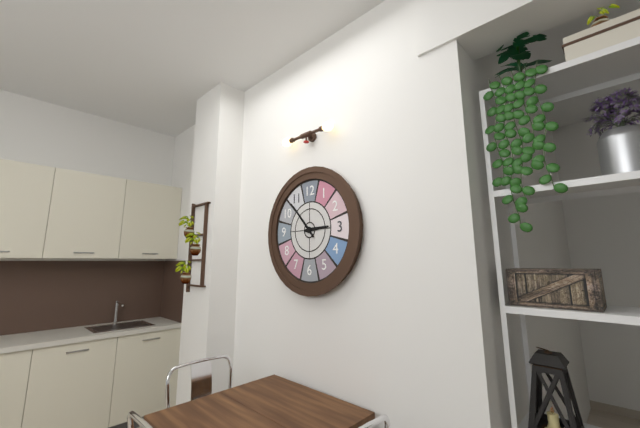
2:53
